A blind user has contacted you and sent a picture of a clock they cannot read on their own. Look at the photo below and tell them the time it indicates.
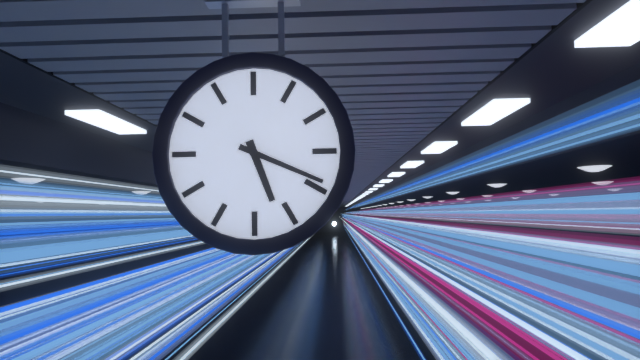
5:19
